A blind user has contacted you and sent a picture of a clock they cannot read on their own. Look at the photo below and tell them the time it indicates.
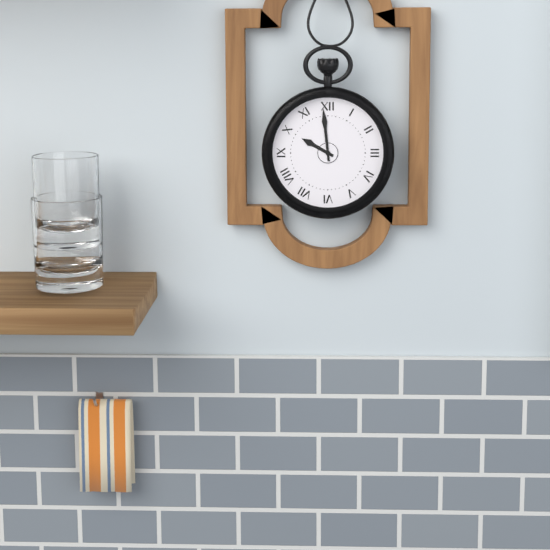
9:59
